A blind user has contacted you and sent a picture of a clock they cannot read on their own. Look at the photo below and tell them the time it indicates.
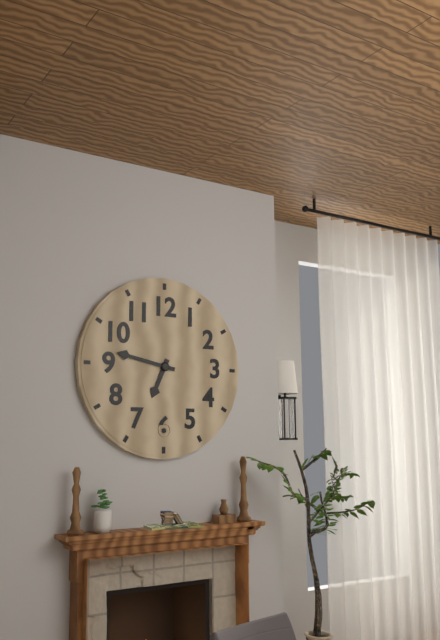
6:47
